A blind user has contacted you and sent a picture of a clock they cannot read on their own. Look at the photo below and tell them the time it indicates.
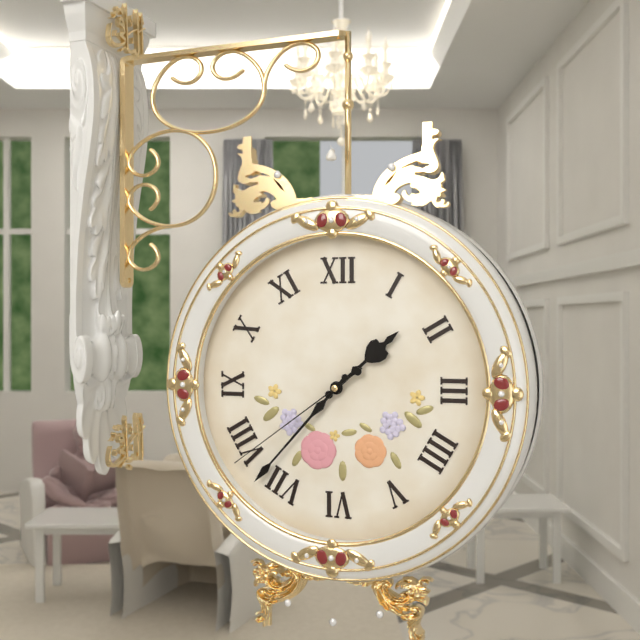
1:37:39
